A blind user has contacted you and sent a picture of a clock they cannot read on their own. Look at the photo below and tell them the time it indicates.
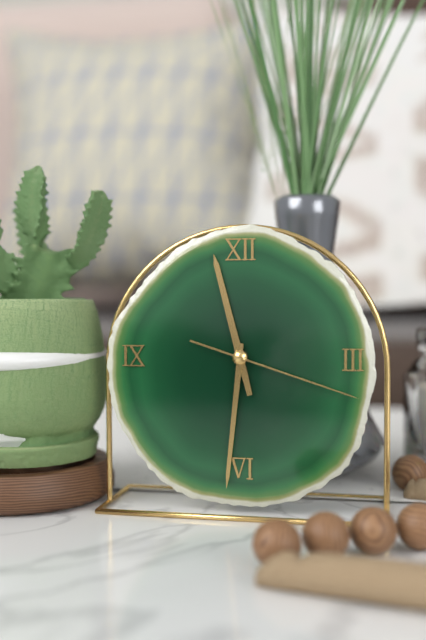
11:31:18
